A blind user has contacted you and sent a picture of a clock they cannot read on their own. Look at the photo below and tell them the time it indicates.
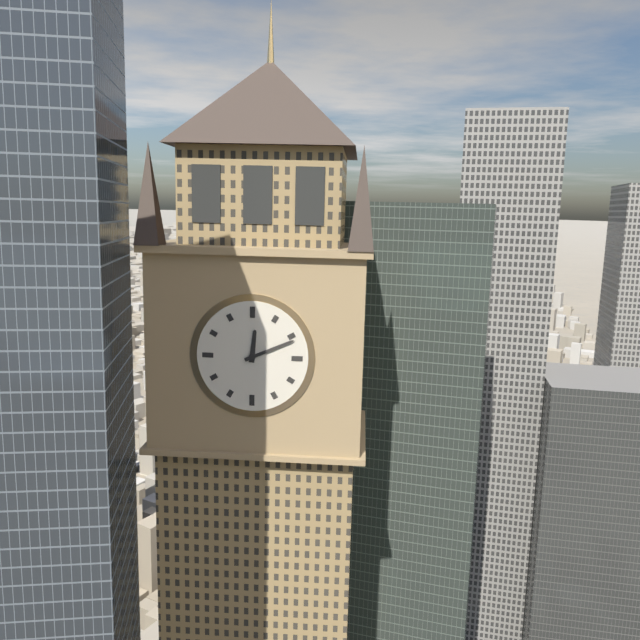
12:11
